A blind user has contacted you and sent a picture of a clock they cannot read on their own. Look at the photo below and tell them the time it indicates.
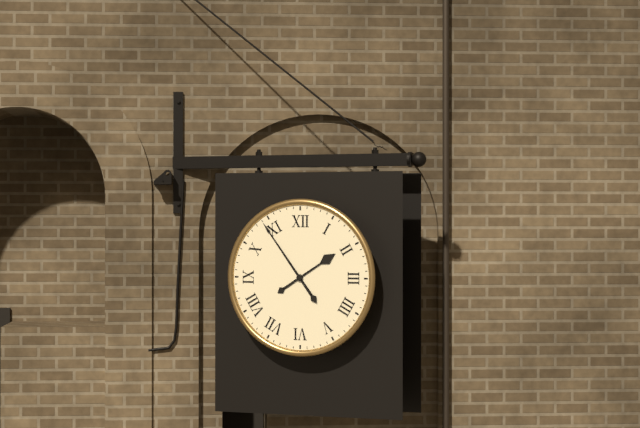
1:54
